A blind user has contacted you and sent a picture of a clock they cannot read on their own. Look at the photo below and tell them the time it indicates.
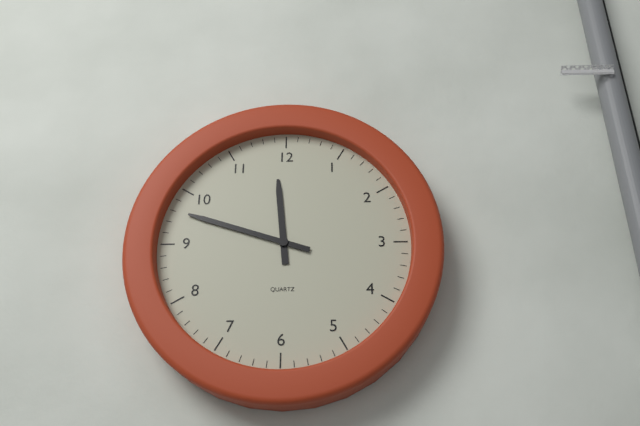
11:48
